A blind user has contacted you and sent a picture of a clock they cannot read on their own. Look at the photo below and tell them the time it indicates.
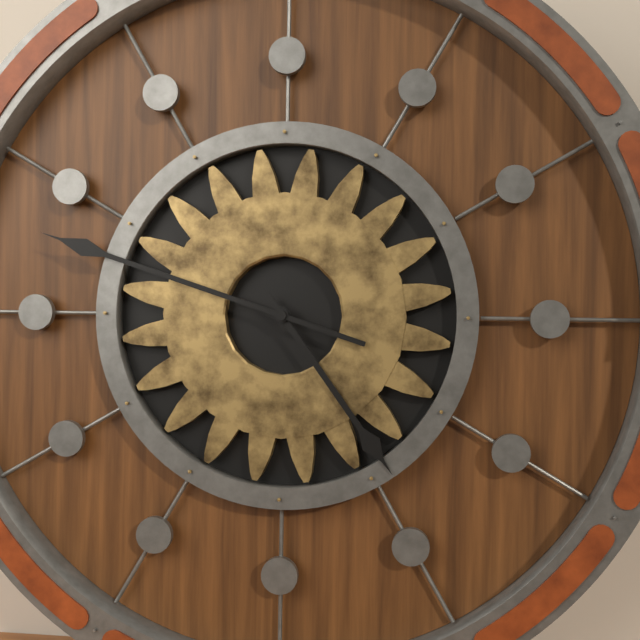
4:48
